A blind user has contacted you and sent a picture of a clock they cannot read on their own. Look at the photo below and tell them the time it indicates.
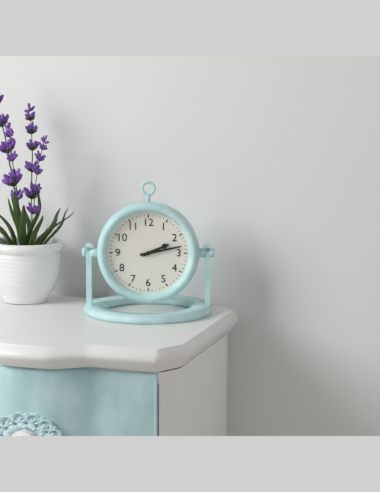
2:13
